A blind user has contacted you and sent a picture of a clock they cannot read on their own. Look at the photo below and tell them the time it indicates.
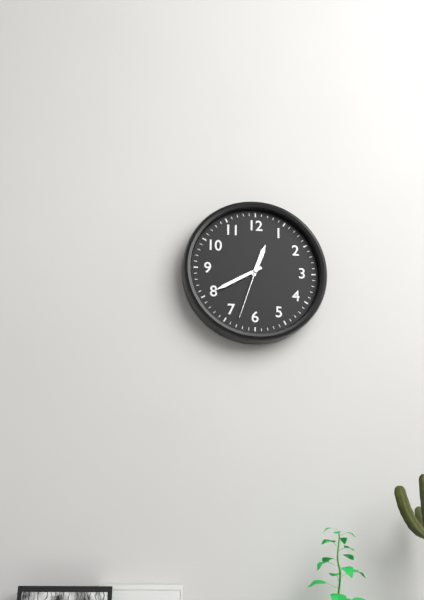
12:40:33
